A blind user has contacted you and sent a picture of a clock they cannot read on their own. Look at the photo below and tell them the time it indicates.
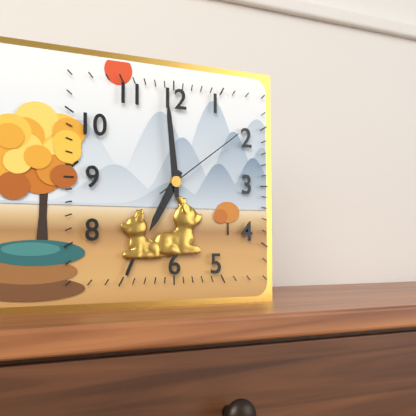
6:59:09
